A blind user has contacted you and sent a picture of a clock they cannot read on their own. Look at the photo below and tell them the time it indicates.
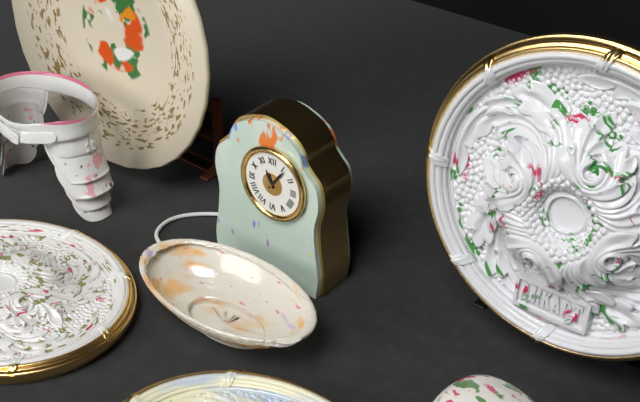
11:06
